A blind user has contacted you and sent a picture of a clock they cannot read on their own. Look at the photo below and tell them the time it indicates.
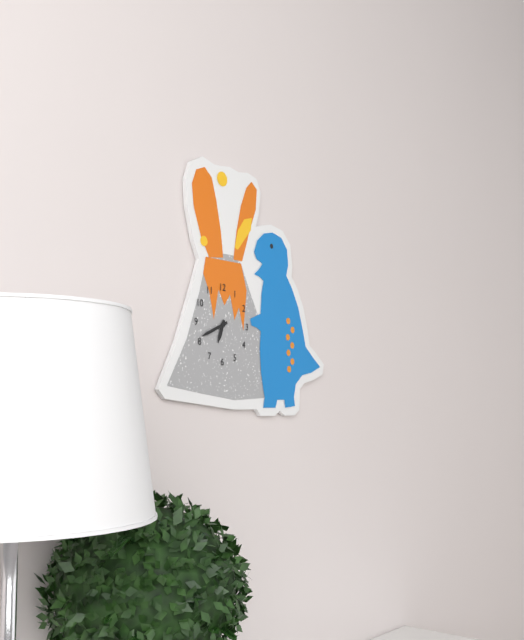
6:41
